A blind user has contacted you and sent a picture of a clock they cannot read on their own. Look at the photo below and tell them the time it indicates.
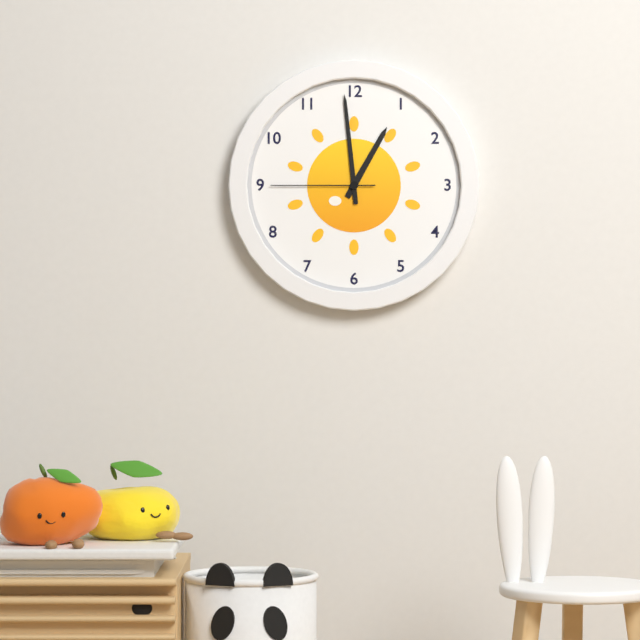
12:59:45
